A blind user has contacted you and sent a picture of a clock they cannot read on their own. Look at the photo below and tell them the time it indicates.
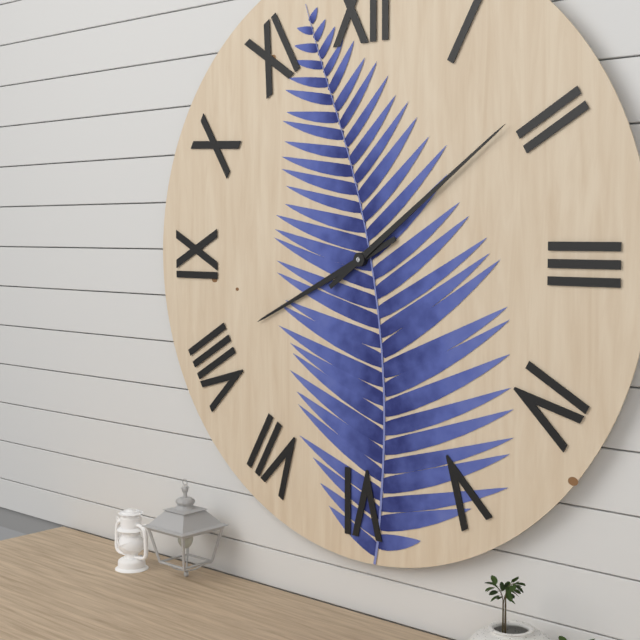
8:09
